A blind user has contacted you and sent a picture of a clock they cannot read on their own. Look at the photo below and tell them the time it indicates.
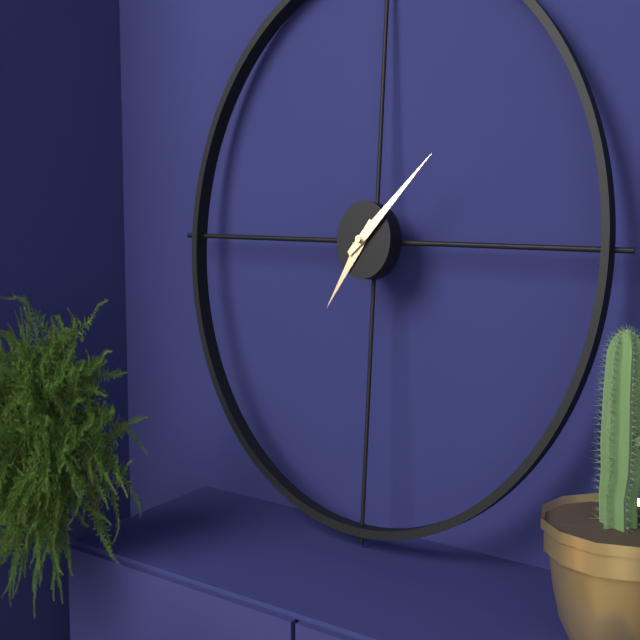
7:08
